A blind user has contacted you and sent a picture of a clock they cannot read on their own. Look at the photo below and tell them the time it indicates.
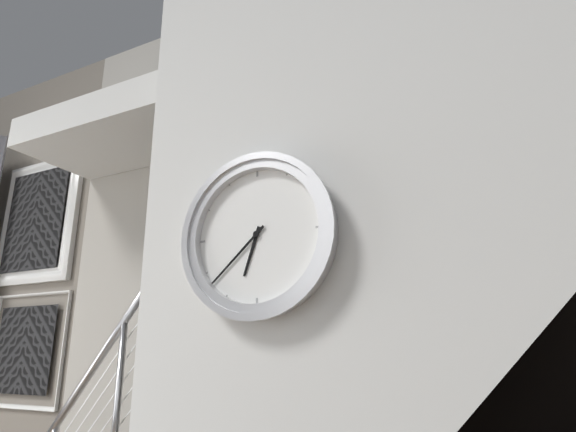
6:38
